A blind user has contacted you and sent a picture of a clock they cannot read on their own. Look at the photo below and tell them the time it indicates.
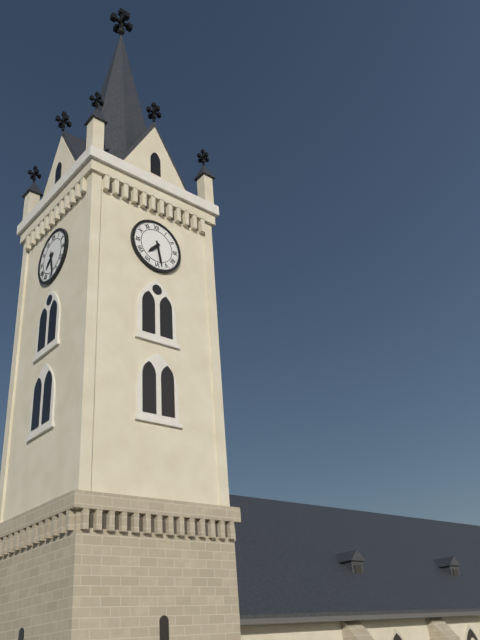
7:28
